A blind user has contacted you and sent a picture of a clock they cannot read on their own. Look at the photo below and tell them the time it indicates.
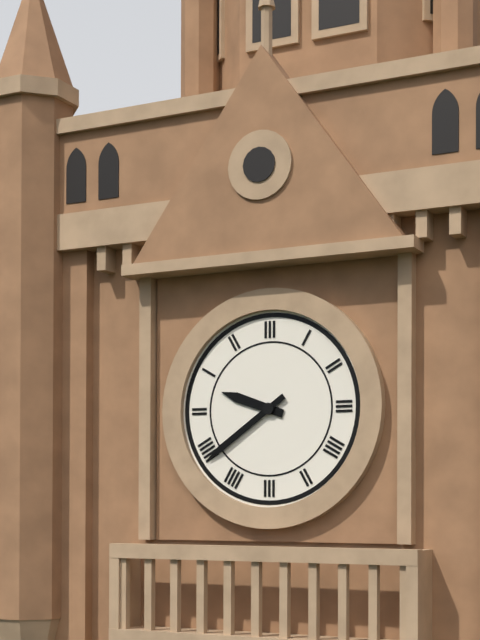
9:39
